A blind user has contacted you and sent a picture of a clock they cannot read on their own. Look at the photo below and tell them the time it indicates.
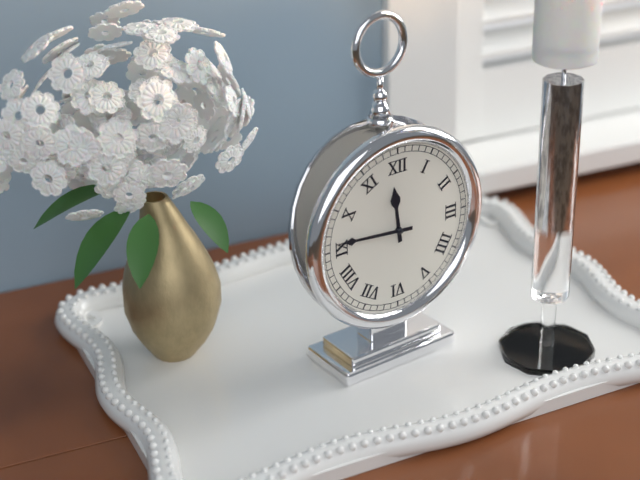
11:46
